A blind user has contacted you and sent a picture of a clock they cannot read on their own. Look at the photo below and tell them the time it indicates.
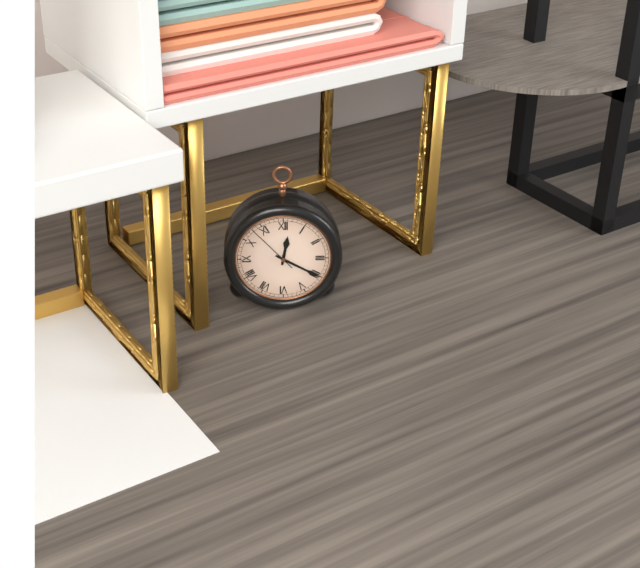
12:20:53
